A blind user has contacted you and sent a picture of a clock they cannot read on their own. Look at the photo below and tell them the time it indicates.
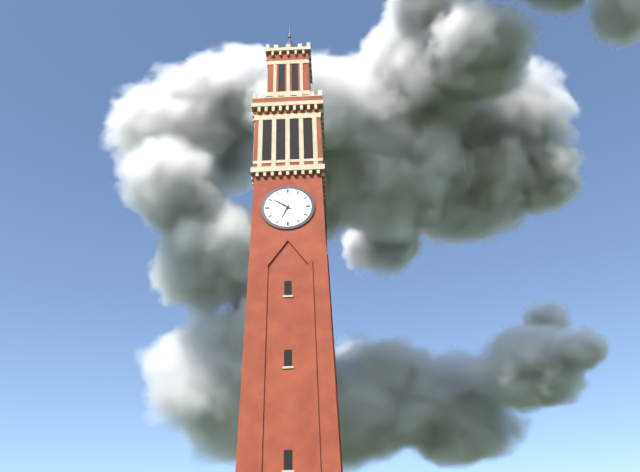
6:51
